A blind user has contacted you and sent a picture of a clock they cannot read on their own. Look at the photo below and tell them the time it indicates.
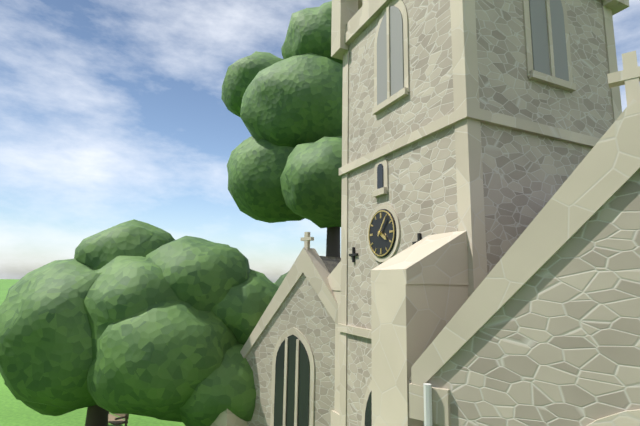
4:06
